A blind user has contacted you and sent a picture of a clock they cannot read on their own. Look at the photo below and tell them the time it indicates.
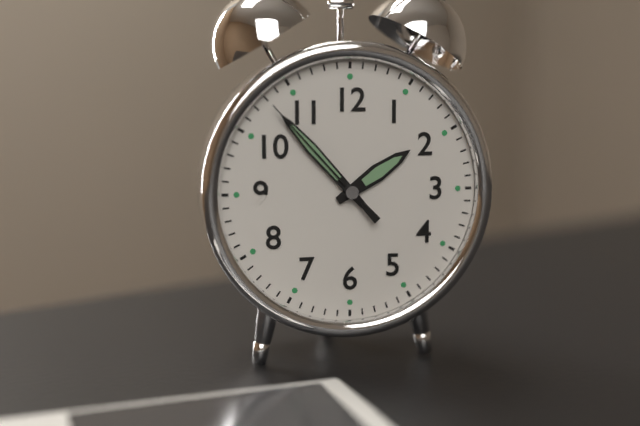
1:53:53
